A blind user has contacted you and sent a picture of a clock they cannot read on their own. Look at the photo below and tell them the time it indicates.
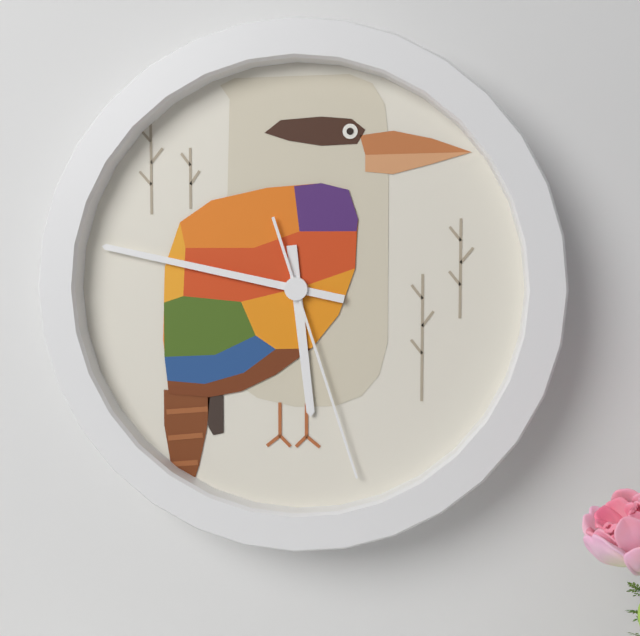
5:47:27
